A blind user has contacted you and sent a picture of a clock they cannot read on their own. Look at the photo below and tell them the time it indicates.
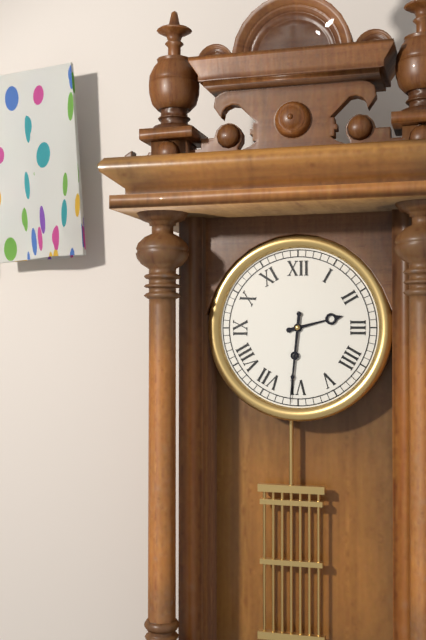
2:31
